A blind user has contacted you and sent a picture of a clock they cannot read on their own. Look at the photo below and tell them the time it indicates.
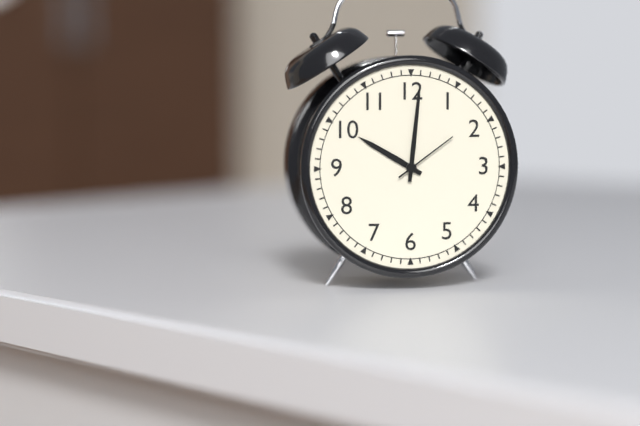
10:01:09
